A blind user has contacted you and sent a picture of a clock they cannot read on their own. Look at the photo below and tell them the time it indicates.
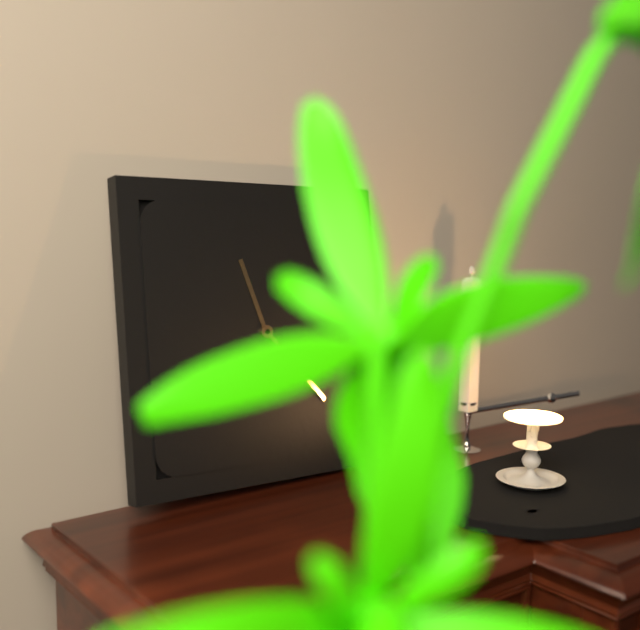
11:23
